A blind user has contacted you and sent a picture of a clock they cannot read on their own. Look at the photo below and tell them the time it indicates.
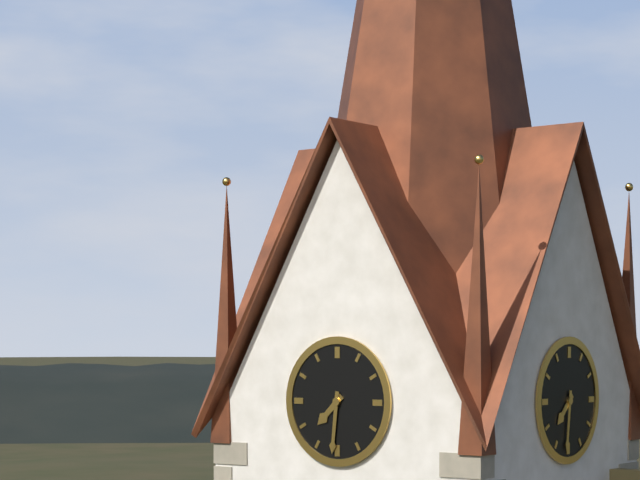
7:31
